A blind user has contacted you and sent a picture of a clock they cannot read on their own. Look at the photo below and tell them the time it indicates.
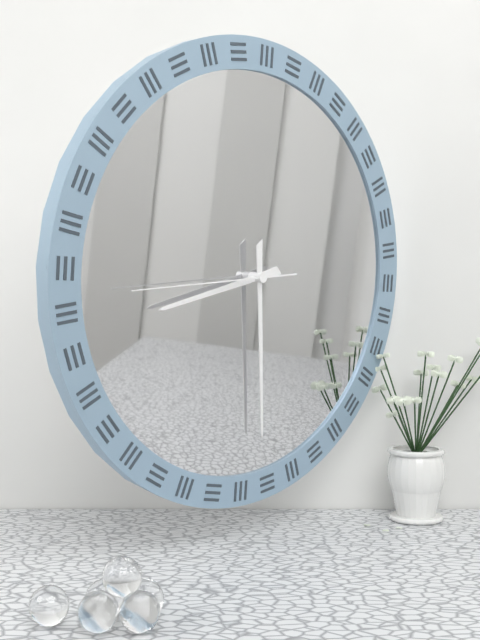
8:29:44
